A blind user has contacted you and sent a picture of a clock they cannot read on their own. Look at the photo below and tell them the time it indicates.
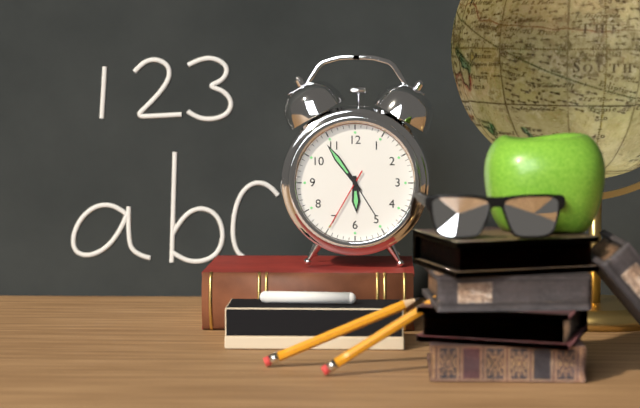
5:54:35
